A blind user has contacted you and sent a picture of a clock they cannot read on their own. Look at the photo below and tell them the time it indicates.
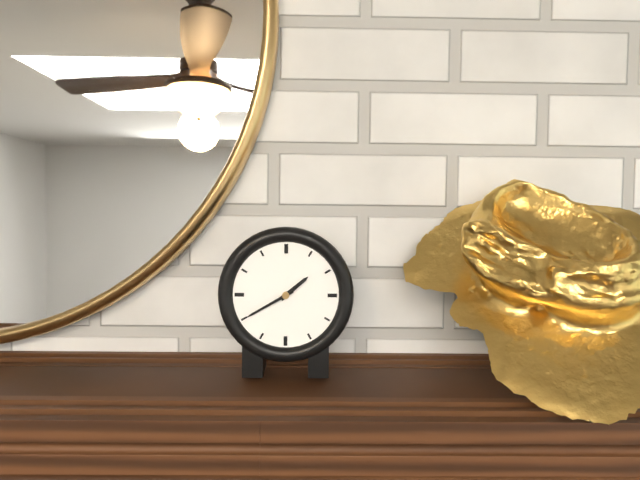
1:40
